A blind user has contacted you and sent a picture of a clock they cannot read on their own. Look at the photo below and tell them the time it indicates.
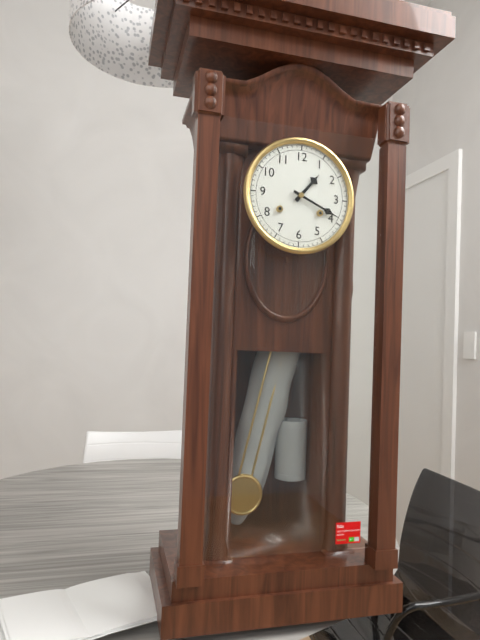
1:19
